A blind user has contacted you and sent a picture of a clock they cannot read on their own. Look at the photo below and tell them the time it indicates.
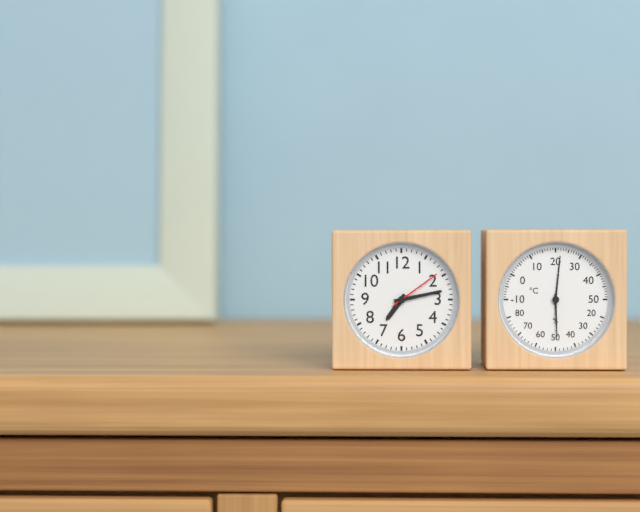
7:13:09
